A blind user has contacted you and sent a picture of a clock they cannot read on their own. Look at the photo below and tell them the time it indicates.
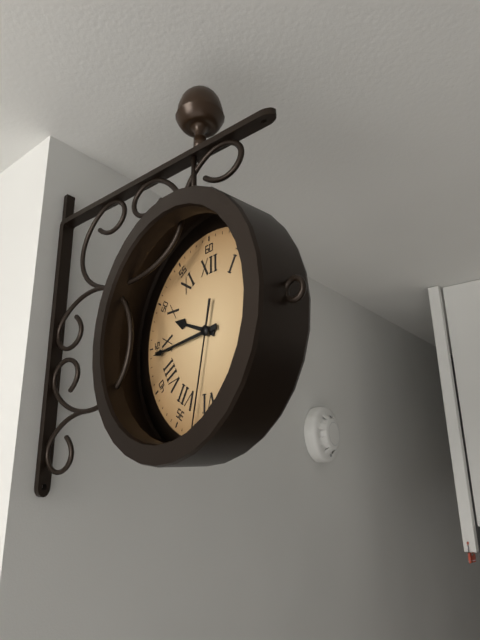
9:44:32
